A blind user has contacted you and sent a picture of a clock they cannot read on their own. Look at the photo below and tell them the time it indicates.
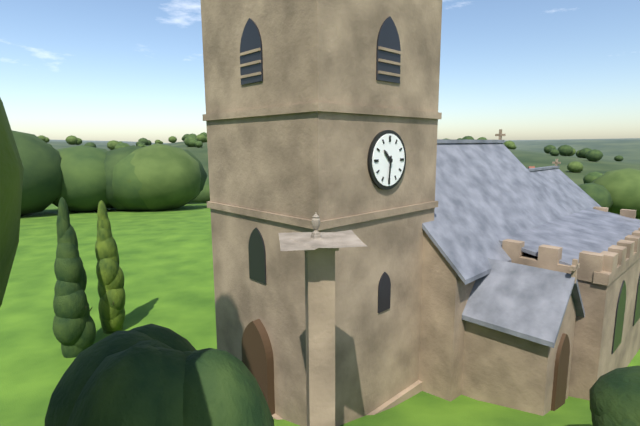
10:31
